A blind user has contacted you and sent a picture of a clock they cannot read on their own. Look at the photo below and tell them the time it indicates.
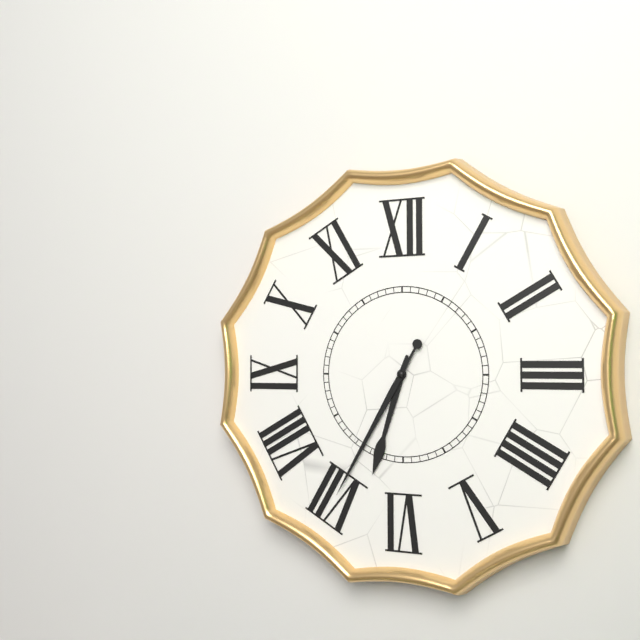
6:35
